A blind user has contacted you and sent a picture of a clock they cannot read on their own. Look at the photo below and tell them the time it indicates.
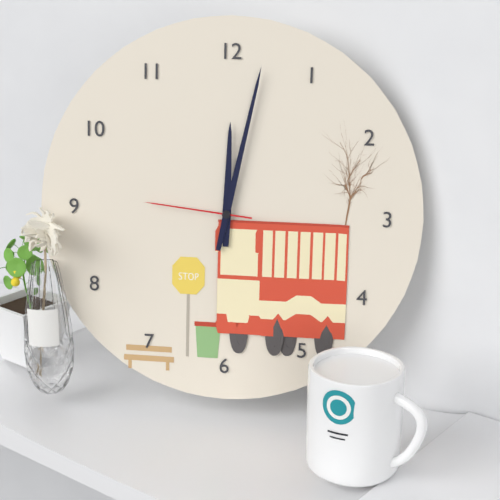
12:02:46
